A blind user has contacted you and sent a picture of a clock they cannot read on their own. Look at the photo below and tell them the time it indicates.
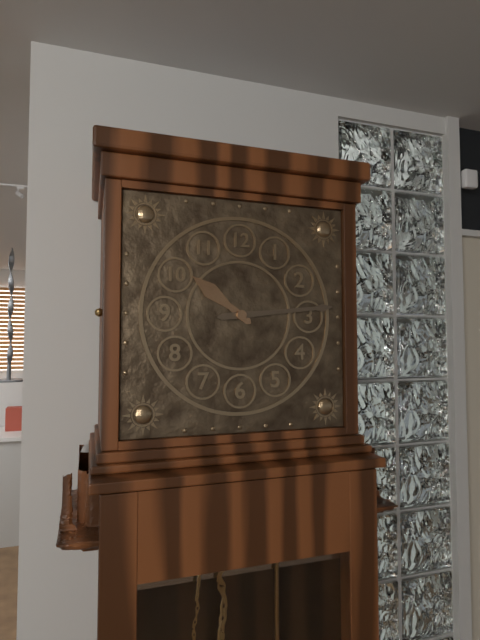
10:14
